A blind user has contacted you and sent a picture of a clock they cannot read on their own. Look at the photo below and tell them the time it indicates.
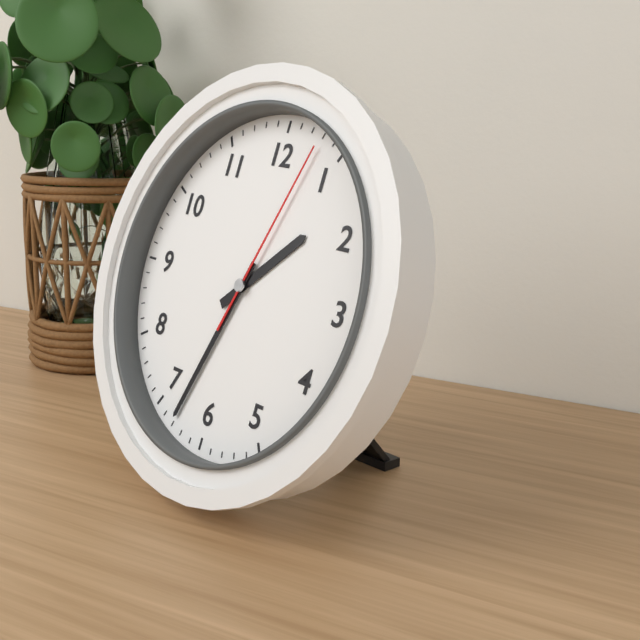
1:33:03
